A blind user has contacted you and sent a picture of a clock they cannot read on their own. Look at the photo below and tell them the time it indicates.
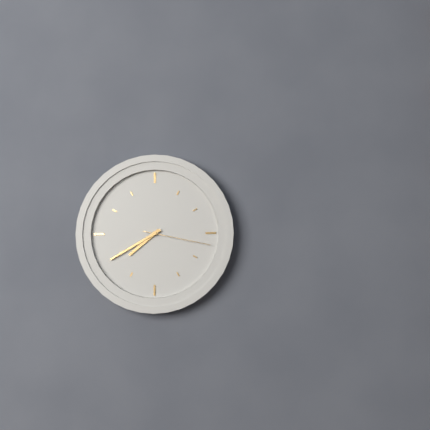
7:40:17
